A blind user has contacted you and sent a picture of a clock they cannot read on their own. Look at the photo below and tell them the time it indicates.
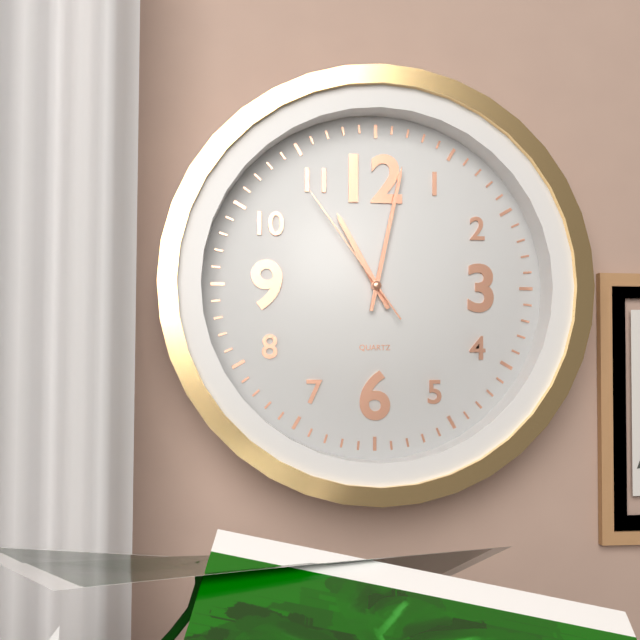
11:02:54
